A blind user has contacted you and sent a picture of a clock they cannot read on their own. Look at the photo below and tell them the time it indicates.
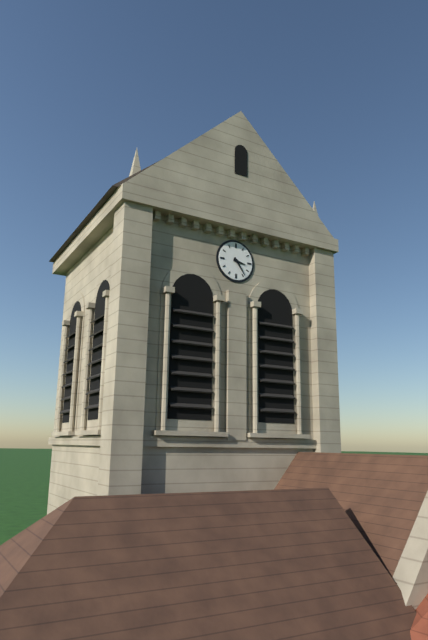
3:24
